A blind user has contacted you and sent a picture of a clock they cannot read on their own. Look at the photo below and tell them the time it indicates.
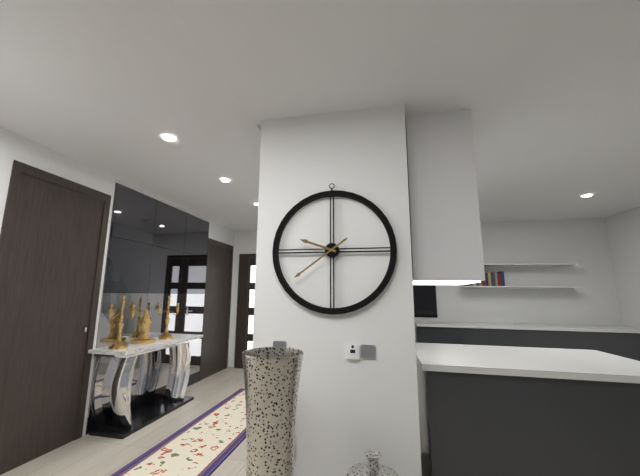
9:39
